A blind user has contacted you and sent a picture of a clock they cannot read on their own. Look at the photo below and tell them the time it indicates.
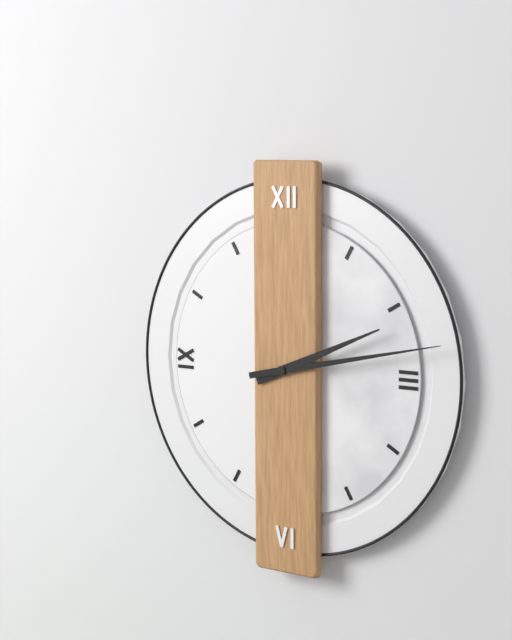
2:13
